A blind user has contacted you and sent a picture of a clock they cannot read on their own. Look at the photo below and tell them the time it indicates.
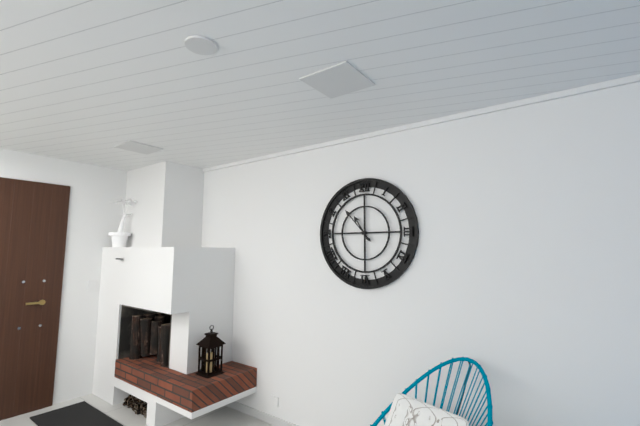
10:53
